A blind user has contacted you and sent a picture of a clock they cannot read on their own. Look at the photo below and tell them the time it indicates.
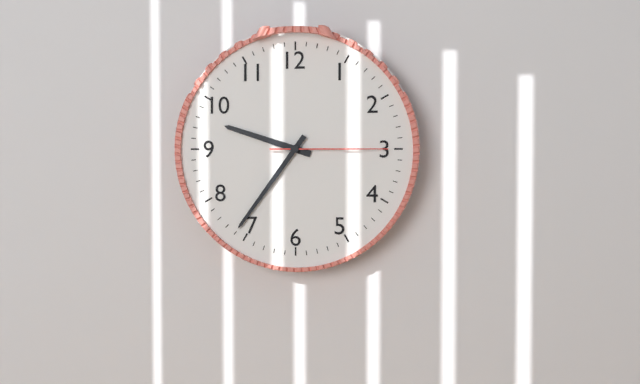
9:36:15
